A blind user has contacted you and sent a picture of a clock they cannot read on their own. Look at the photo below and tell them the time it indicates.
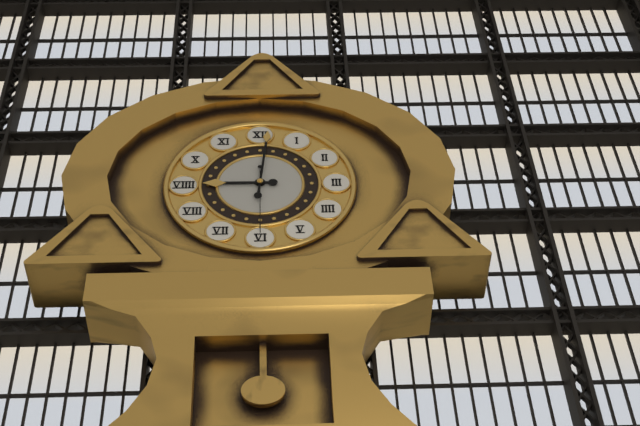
9:01:30
